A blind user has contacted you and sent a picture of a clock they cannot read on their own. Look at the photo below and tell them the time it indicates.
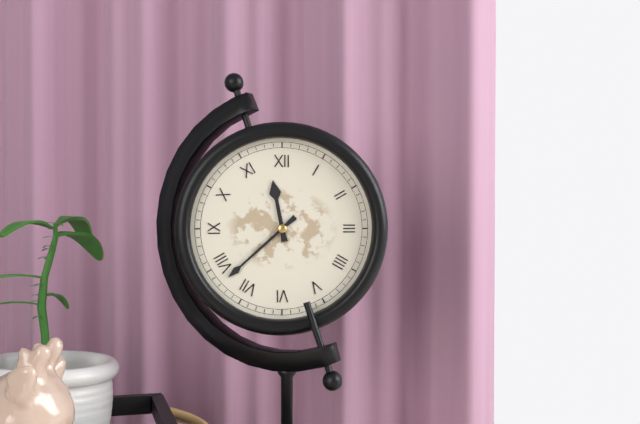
11:38
